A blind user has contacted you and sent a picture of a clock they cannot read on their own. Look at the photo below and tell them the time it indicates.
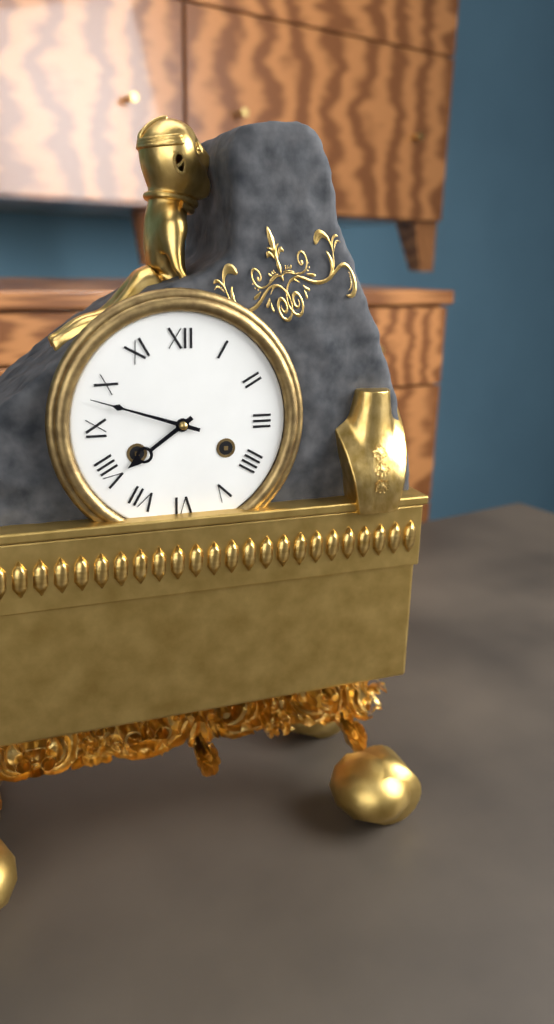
7:48
